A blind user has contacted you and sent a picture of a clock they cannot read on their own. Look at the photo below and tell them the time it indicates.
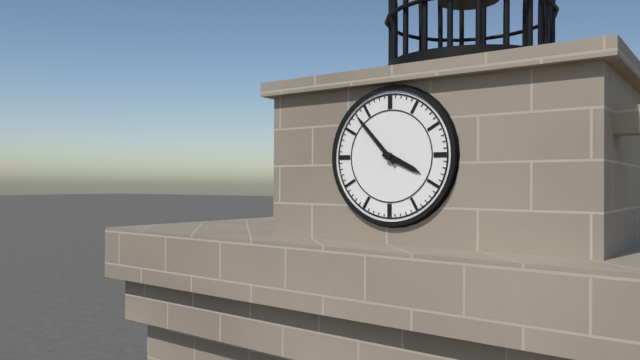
3:53
